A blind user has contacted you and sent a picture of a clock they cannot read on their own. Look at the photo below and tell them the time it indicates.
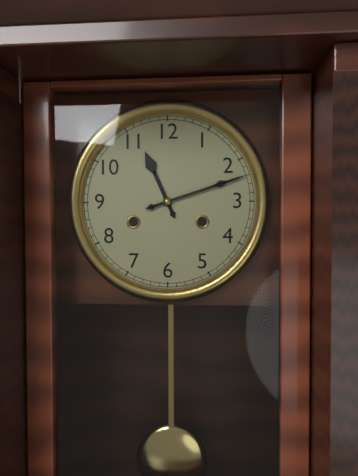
11:12
